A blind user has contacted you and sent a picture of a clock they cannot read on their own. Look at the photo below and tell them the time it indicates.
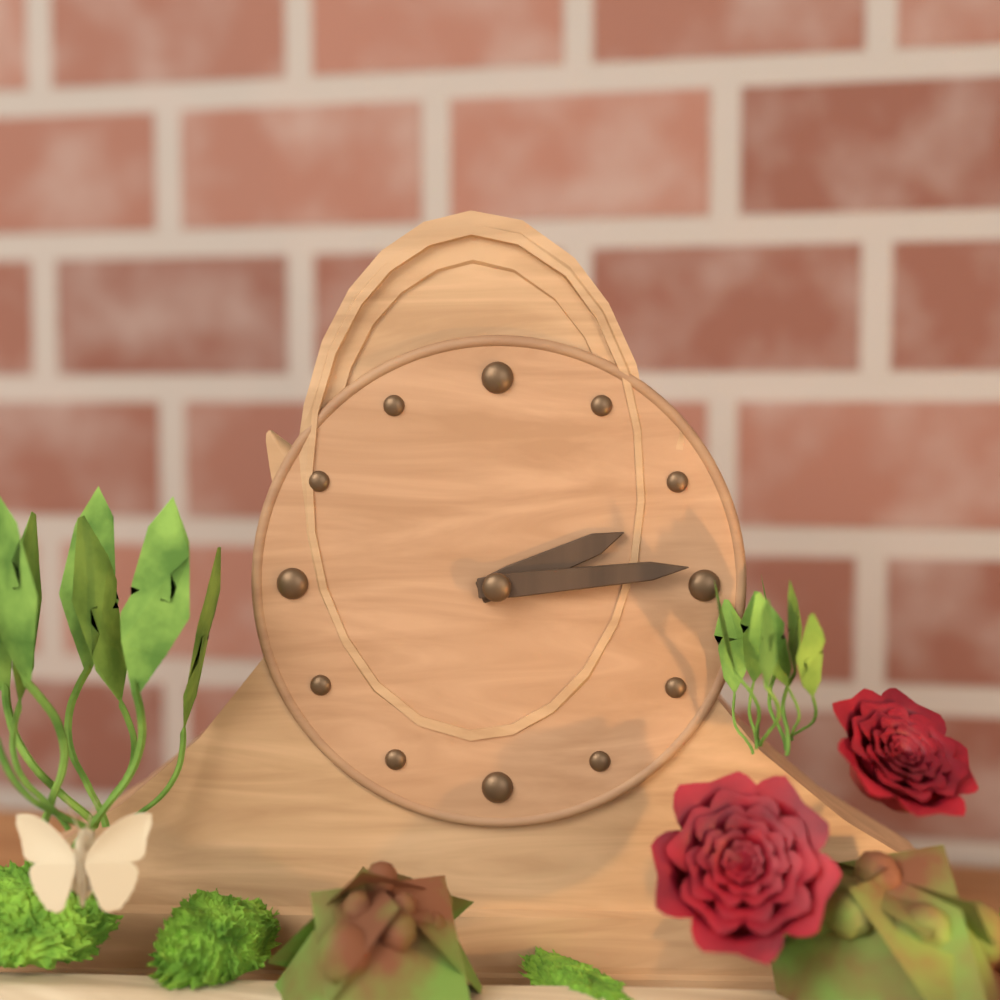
2:14
